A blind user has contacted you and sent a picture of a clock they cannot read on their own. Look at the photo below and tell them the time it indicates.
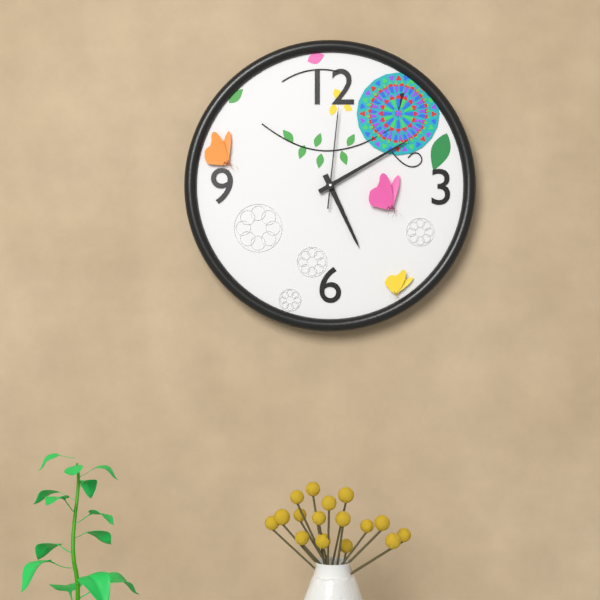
5:10:01
